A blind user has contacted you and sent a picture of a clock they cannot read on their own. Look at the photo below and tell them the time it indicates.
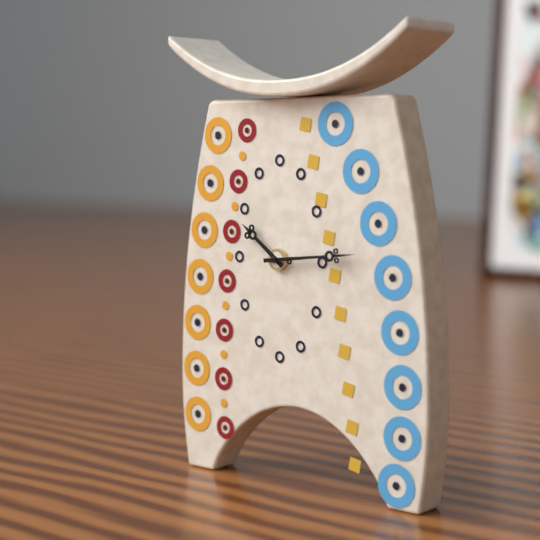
10:14
